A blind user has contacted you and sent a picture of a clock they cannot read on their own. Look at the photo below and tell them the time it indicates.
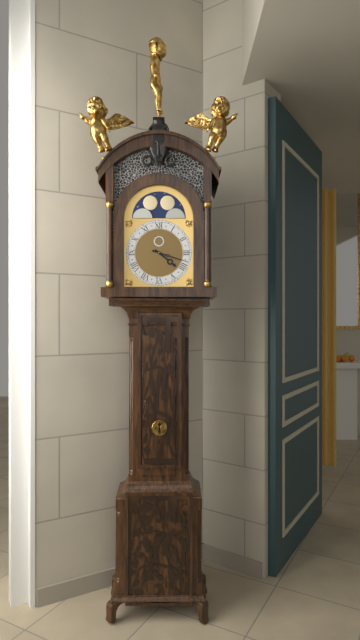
4:18
